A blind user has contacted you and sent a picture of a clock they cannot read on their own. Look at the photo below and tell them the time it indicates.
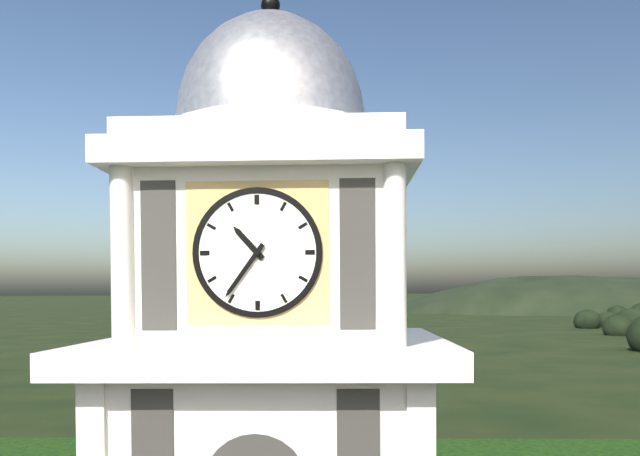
10:36
